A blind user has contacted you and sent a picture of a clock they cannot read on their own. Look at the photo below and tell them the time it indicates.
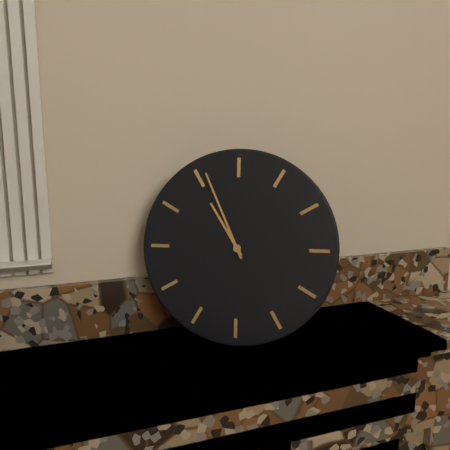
10:56
